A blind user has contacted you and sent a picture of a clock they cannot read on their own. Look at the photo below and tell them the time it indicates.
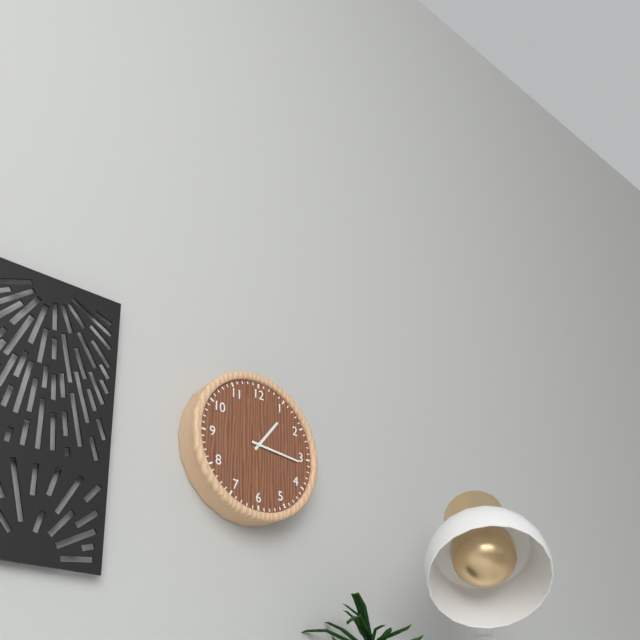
1:16
